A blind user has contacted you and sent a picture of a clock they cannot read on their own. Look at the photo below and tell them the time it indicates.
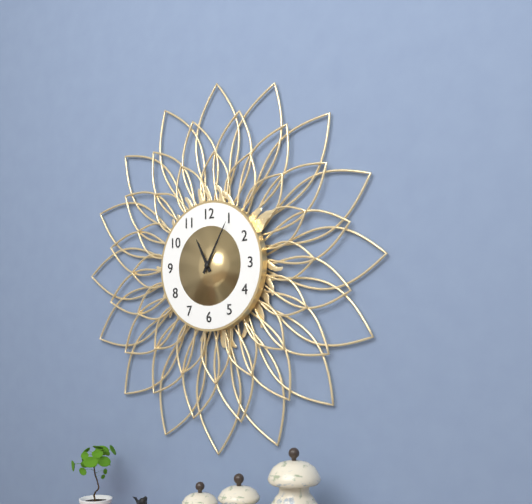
11:05
